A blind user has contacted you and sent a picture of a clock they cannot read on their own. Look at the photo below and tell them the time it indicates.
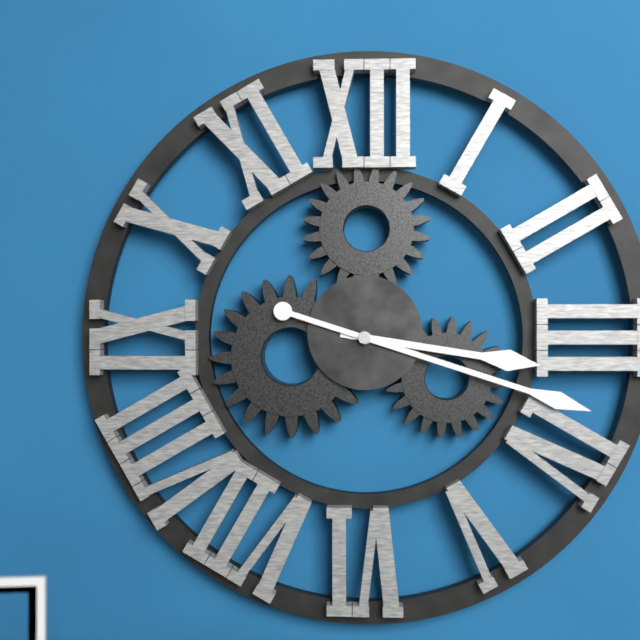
3:18
